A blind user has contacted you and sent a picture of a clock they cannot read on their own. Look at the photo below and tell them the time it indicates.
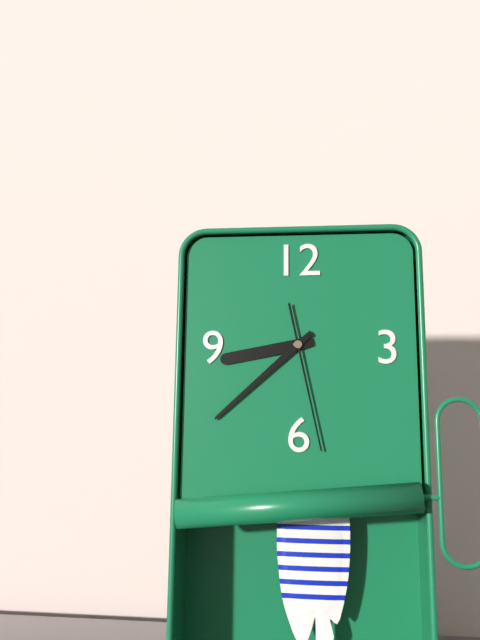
8:38:28
